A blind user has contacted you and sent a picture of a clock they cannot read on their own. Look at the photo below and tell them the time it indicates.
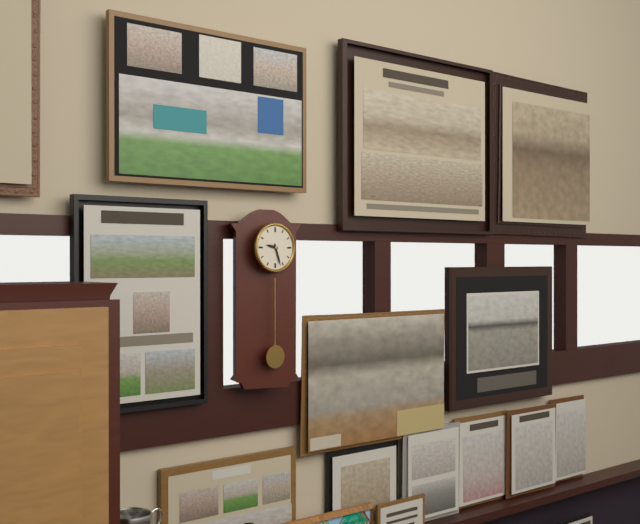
9:27
